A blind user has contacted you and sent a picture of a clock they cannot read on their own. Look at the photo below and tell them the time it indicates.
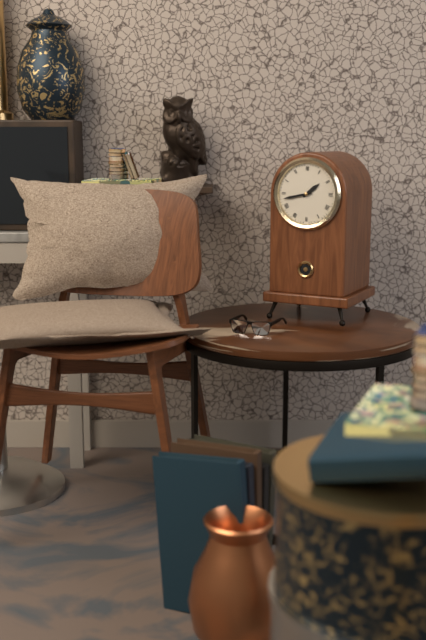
1:43
